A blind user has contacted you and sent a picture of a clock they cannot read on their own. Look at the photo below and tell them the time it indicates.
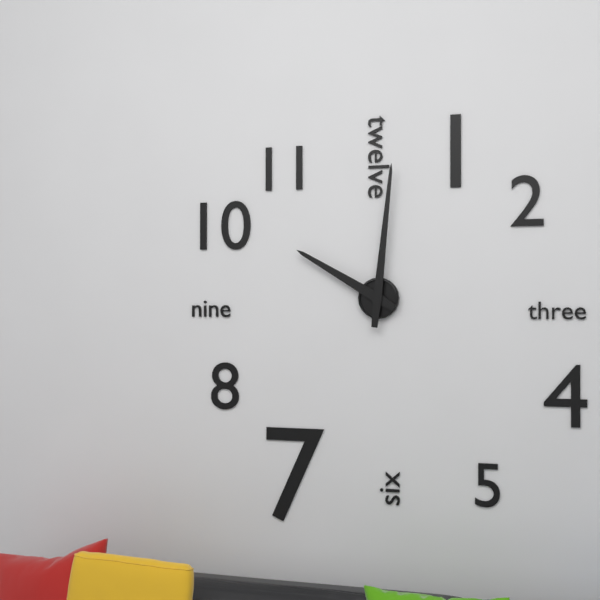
10:01
